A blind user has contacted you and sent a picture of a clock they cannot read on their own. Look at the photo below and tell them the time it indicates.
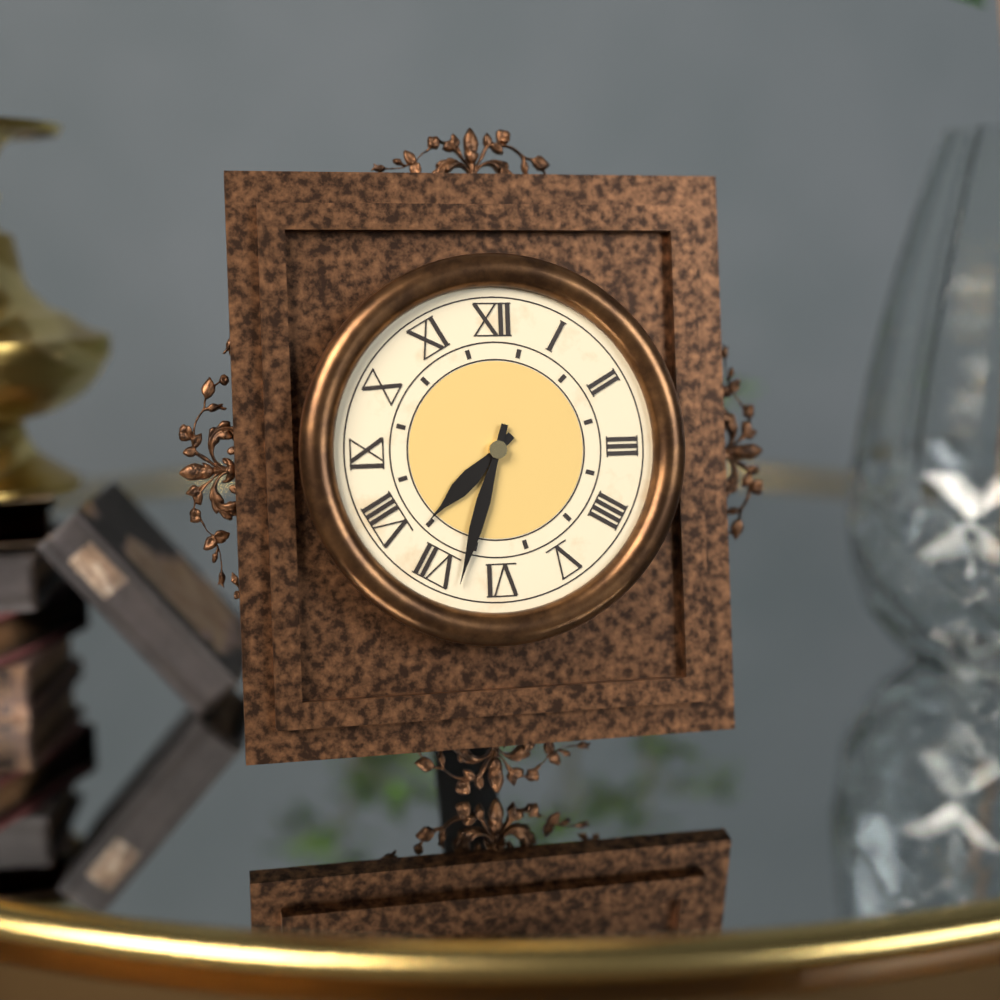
7:33
